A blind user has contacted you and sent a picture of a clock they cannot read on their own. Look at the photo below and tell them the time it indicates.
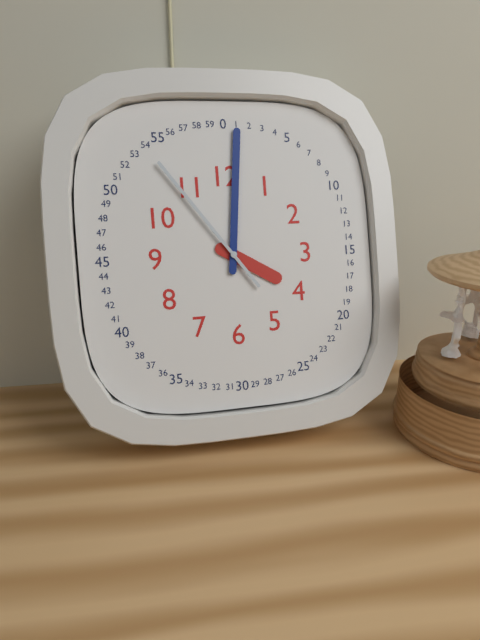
4:01:54
